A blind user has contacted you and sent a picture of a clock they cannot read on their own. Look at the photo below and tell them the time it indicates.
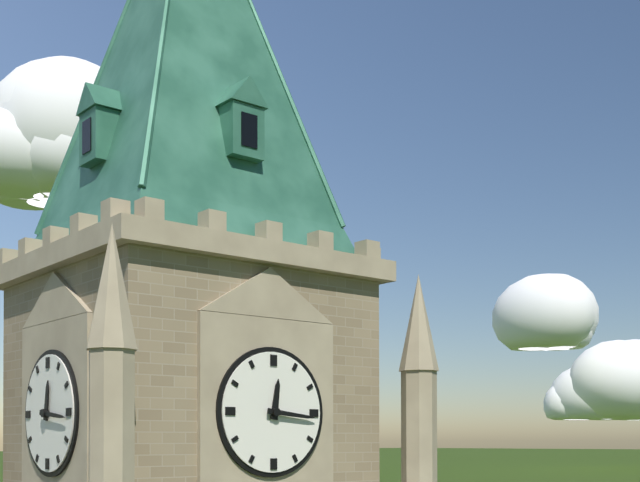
12:16
